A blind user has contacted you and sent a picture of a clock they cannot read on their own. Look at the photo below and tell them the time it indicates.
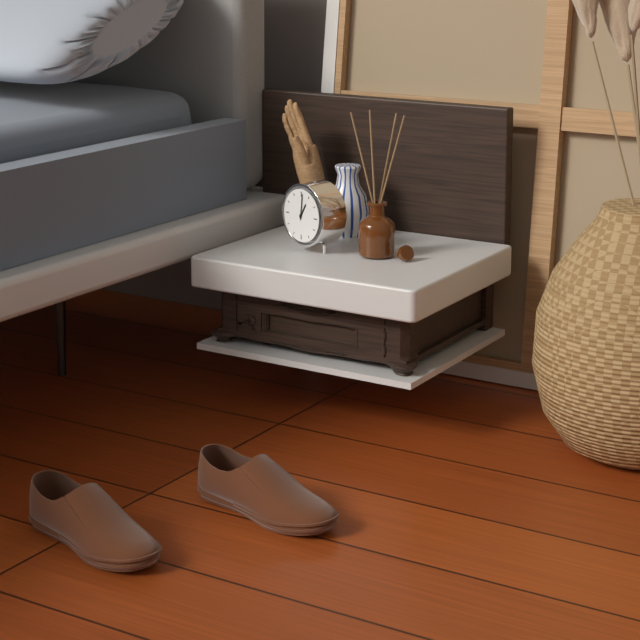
1:01
